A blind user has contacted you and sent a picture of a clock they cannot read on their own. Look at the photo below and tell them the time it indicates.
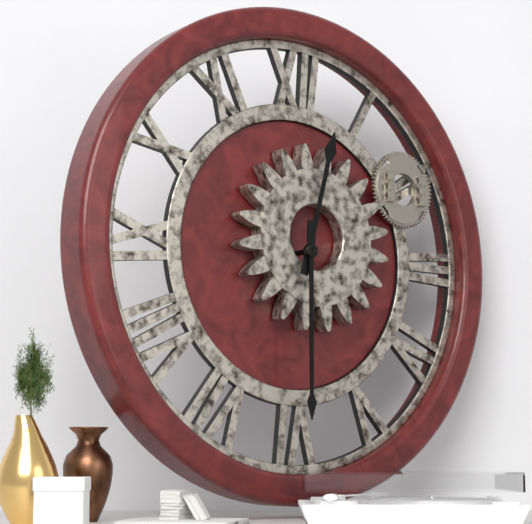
12:30
